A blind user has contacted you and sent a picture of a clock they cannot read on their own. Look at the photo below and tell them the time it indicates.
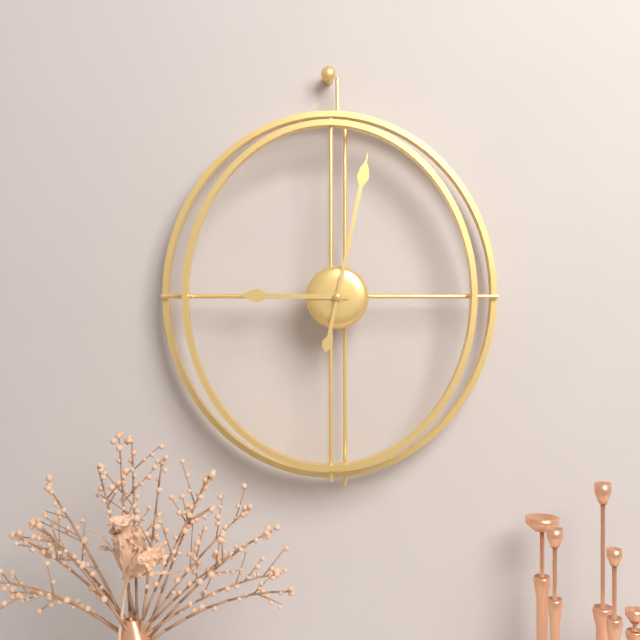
9:02
